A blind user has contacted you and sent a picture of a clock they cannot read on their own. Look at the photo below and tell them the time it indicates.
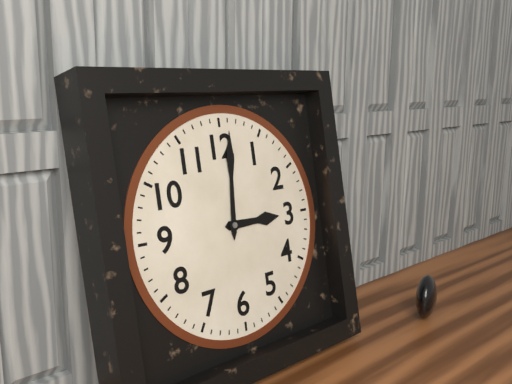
3:01
